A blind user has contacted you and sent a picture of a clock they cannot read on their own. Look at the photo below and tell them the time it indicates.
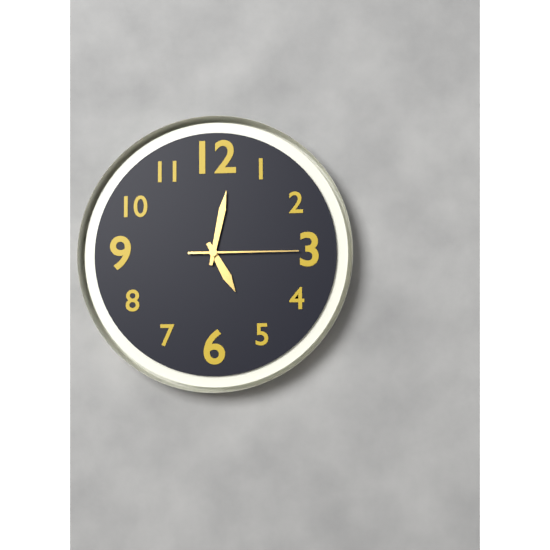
5:02:15
